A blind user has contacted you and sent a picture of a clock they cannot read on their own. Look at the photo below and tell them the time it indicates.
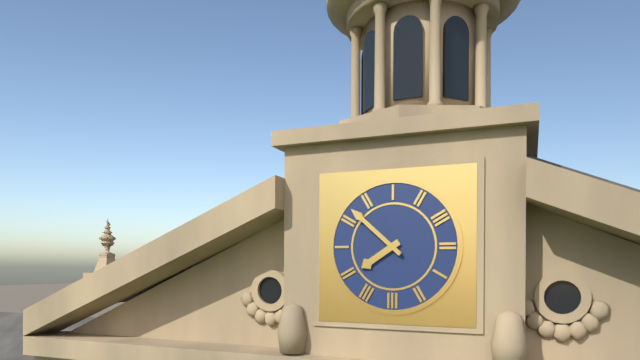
7:52
